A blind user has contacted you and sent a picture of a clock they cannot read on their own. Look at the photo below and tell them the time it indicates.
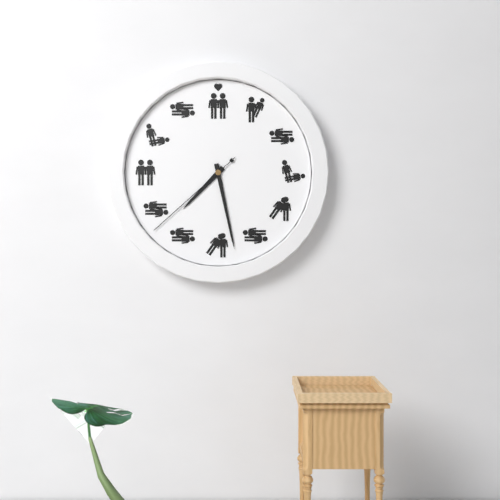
7:28:38
